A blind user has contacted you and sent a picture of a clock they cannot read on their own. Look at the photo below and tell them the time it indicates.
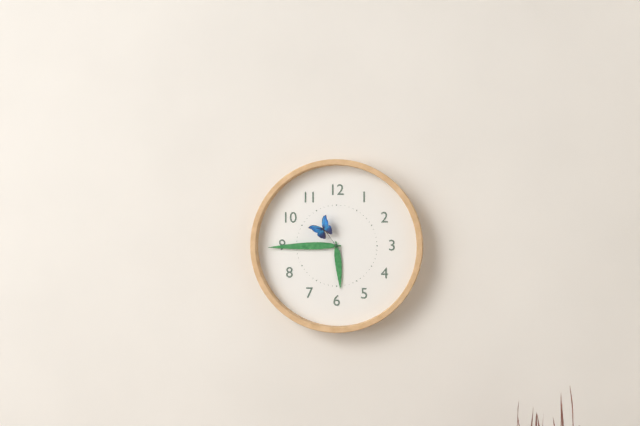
5:45
